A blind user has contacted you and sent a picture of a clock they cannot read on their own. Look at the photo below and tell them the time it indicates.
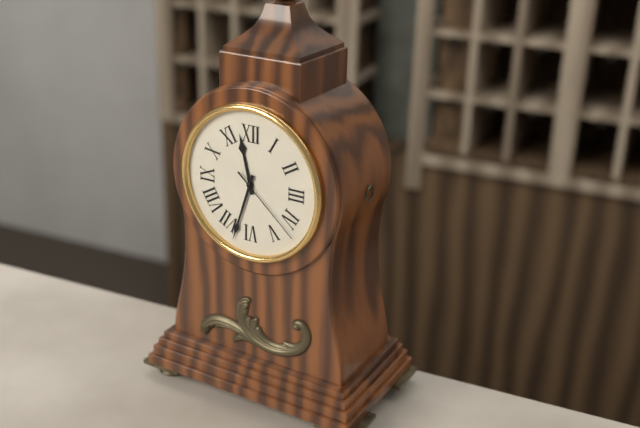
11:33:22
